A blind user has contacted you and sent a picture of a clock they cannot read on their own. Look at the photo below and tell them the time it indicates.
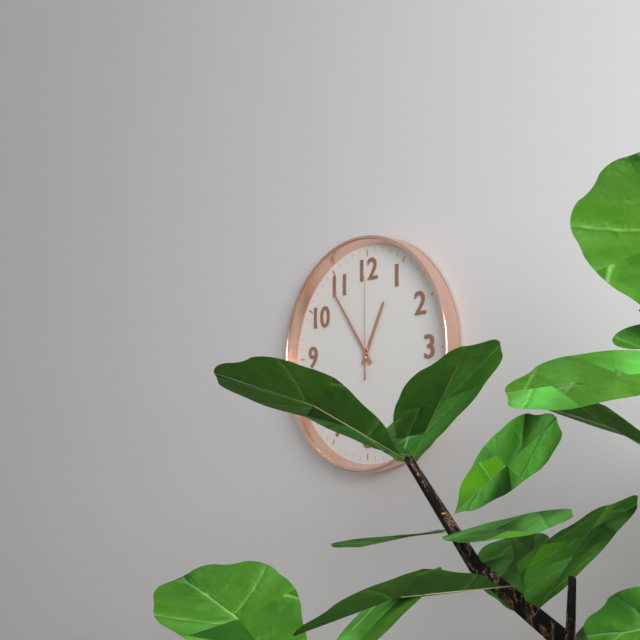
12:54:00
